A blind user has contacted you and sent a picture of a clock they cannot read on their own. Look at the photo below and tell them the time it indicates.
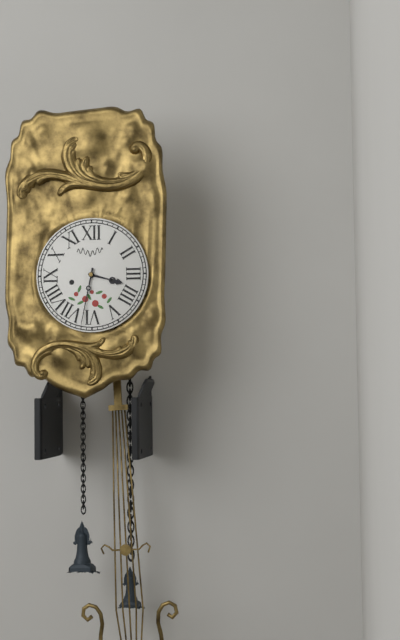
3:32
